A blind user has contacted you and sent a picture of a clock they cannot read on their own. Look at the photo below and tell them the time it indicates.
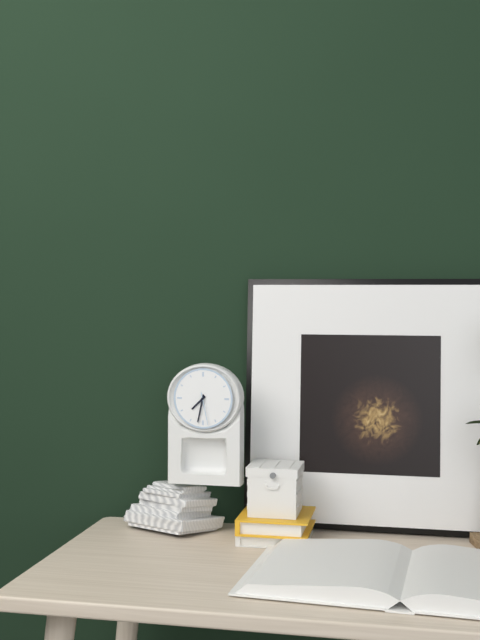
7:32
